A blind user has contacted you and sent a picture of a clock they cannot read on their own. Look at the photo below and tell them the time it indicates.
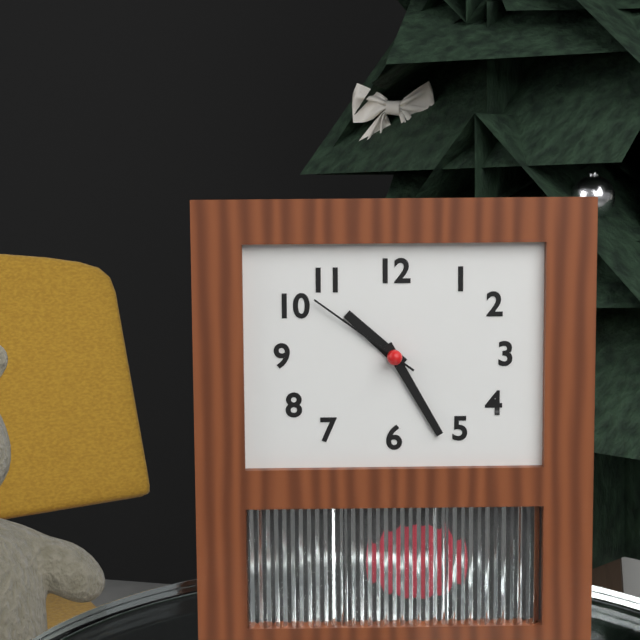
10:25:51
